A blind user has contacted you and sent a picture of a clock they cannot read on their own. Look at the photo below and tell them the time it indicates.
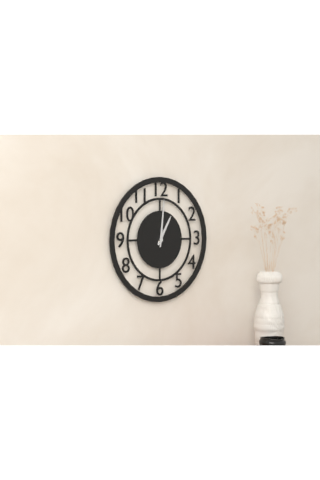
1:01
